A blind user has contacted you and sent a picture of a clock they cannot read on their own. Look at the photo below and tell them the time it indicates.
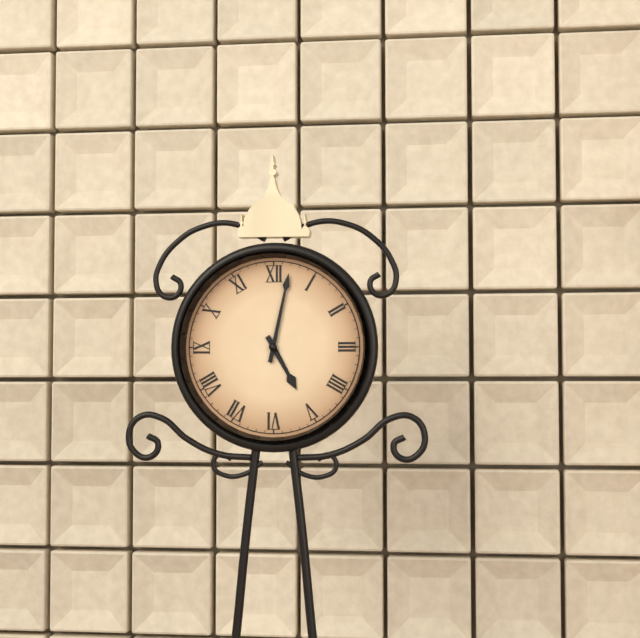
5:02
